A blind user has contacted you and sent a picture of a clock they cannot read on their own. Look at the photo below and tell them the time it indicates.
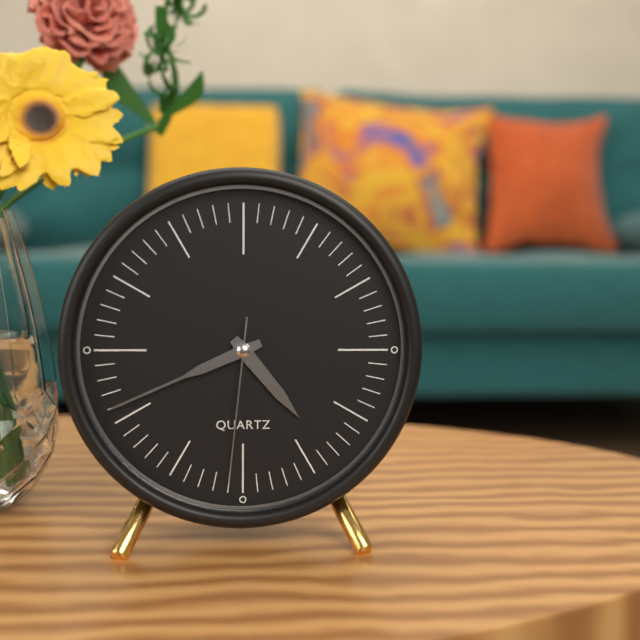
4:41:31
